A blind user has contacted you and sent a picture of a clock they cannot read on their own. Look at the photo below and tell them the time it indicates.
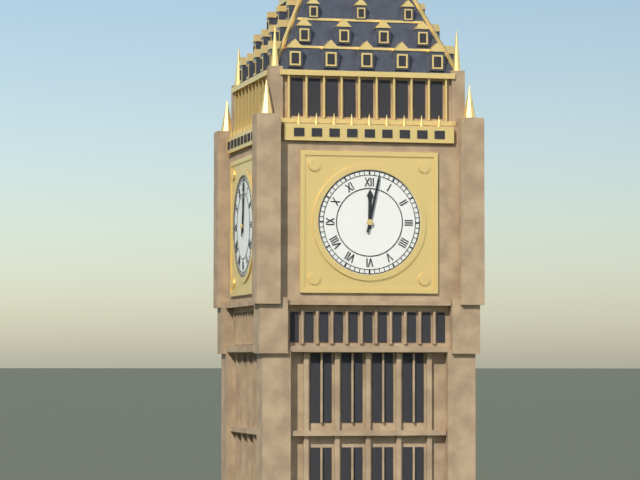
12:02
